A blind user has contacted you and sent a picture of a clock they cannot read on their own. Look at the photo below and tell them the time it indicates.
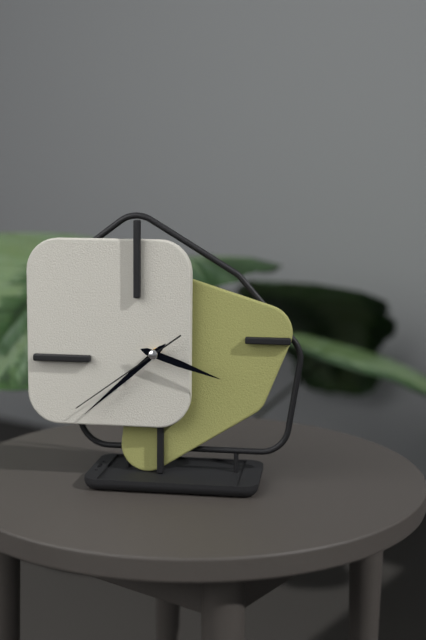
3:38:39
